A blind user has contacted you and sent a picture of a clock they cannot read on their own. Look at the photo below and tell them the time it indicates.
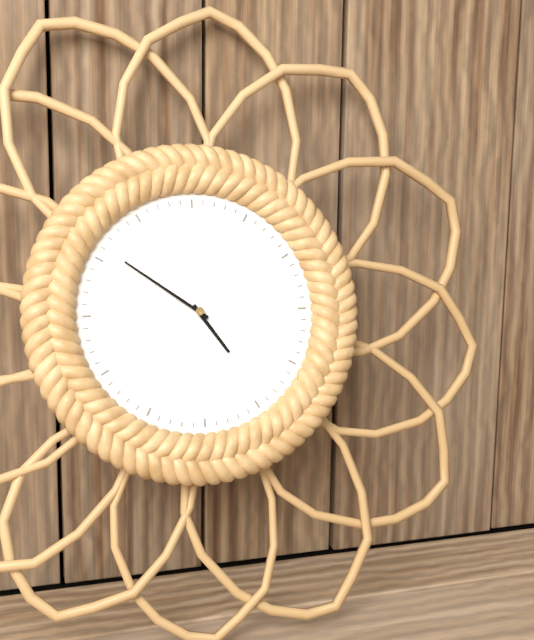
4:51
